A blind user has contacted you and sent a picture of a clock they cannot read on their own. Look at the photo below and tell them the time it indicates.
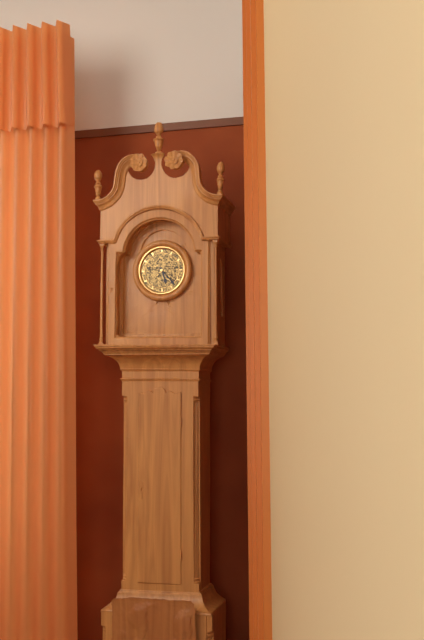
5:23
